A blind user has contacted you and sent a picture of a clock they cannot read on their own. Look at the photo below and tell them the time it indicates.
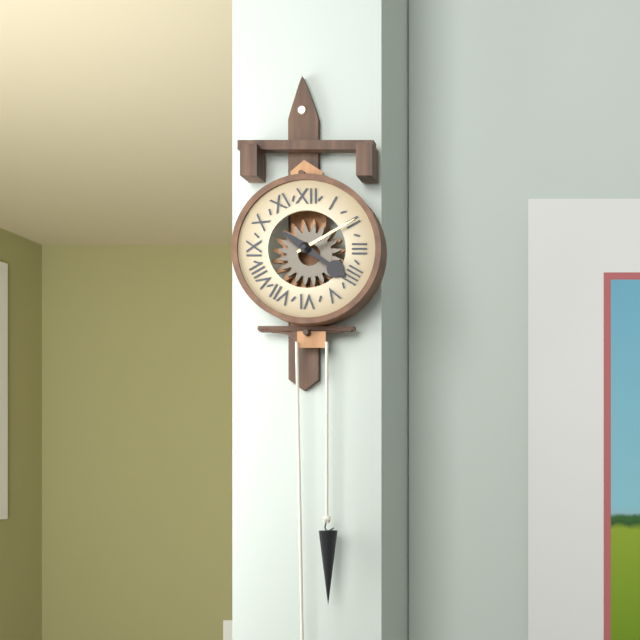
4:10
